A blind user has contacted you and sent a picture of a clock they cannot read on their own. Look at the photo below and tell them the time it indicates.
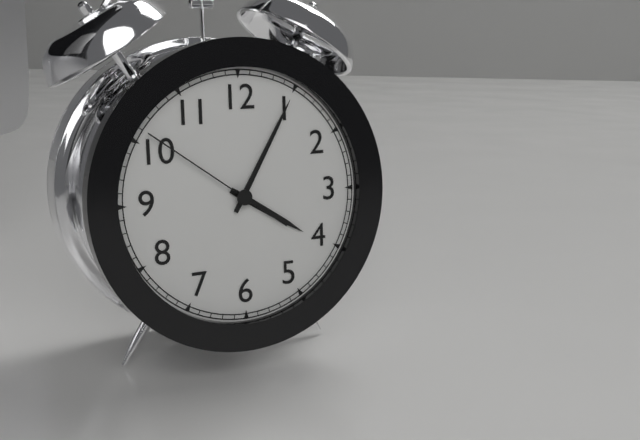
4:05:51
